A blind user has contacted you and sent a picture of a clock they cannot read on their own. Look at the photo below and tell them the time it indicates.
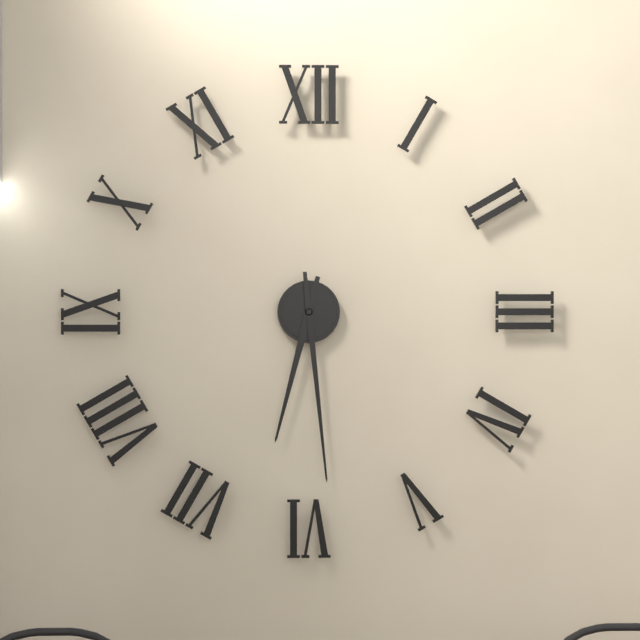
6:29
